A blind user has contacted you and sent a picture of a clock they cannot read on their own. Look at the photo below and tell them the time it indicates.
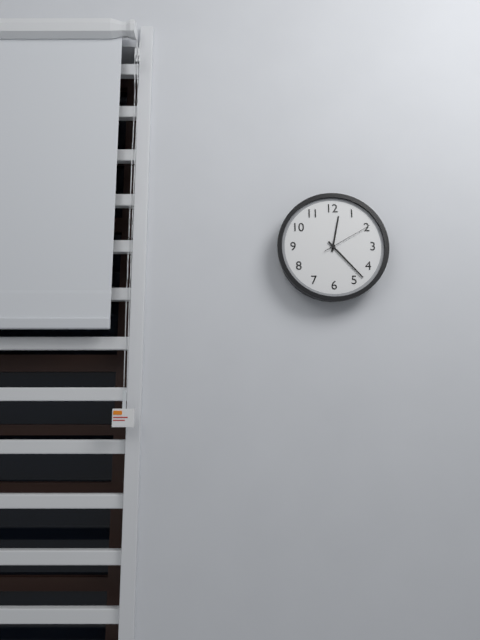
12:23:10
